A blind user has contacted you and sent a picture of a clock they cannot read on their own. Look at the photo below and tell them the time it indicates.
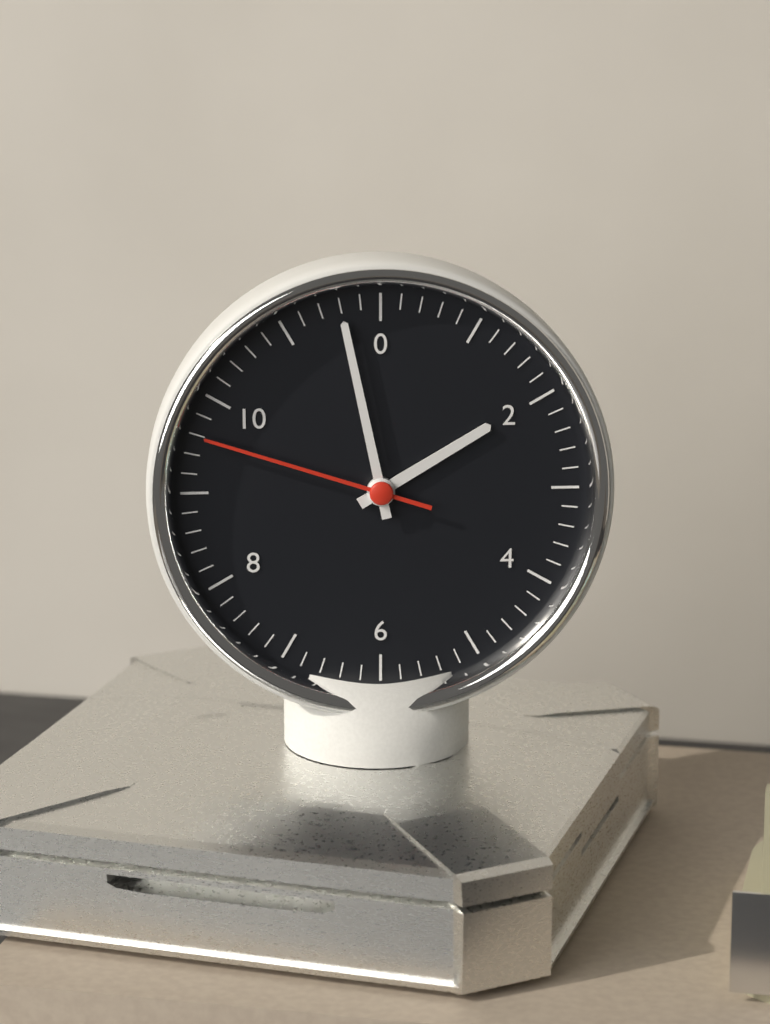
1:58:48
